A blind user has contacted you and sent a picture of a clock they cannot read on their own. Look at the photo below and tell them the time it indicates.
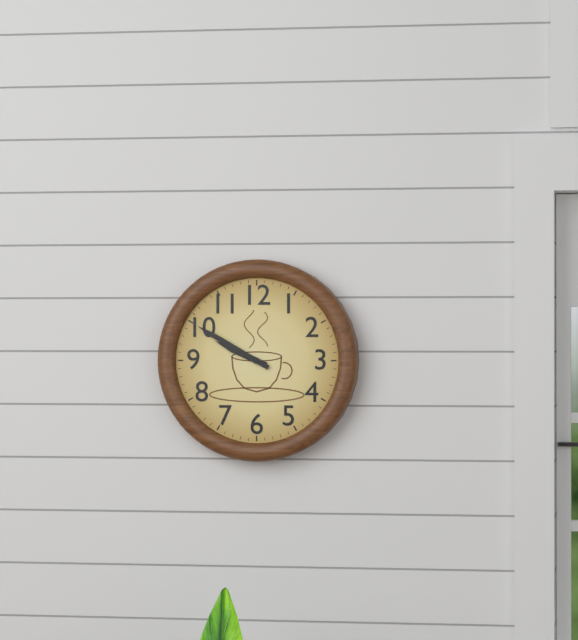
9:50
